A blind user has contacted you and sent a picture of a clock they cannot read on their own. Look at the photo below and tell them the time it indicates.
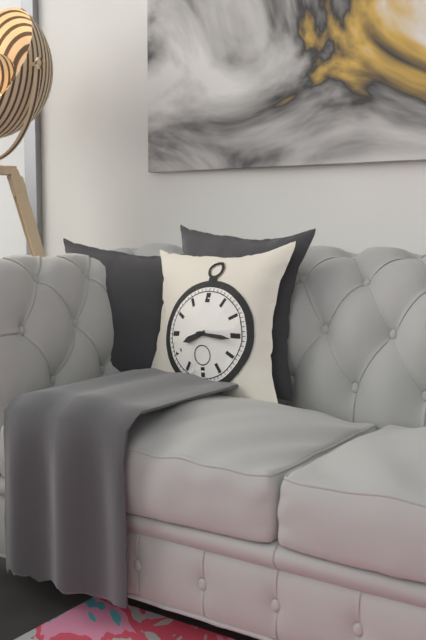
8:16
